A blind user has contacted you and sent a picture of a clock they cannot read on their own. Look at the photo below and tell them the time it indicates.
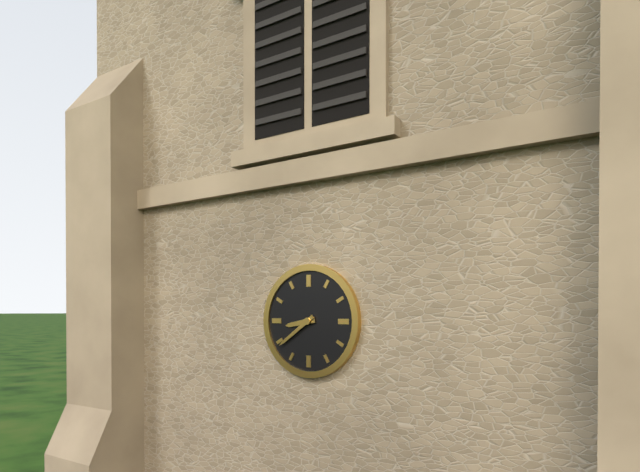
8:39
